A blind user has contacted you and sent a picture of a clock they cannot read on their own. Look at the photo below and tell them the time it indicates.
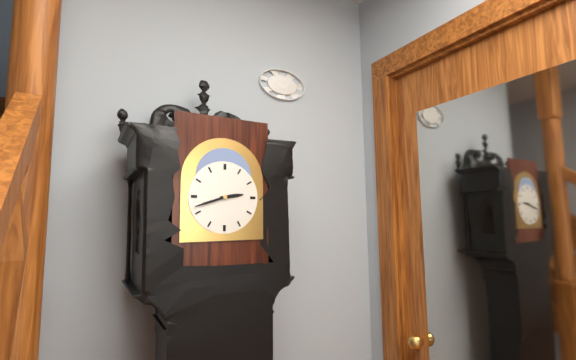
2:42
